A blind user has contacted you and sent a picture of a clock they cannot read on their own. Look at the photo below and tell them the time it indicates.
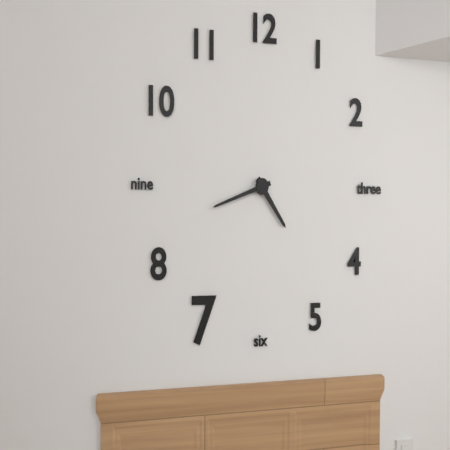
4:42
